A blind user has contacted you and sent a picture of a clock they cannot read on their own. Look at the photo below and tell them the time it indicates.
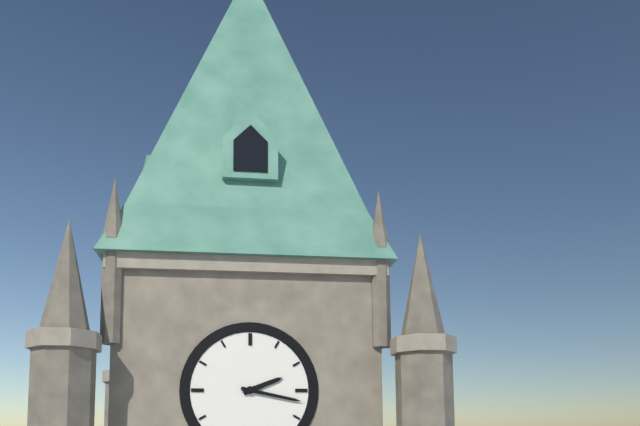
2:17
